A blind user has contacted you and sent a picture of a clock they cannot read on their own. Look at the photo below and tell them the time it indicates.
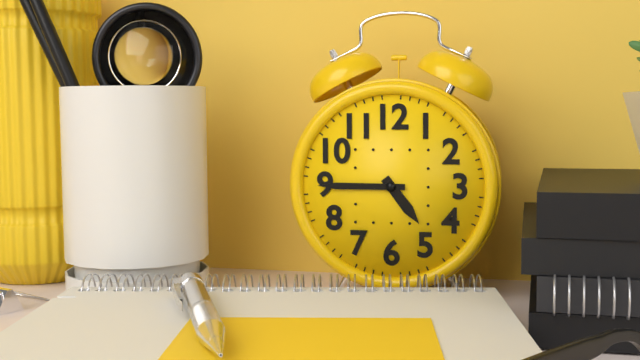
4:45
